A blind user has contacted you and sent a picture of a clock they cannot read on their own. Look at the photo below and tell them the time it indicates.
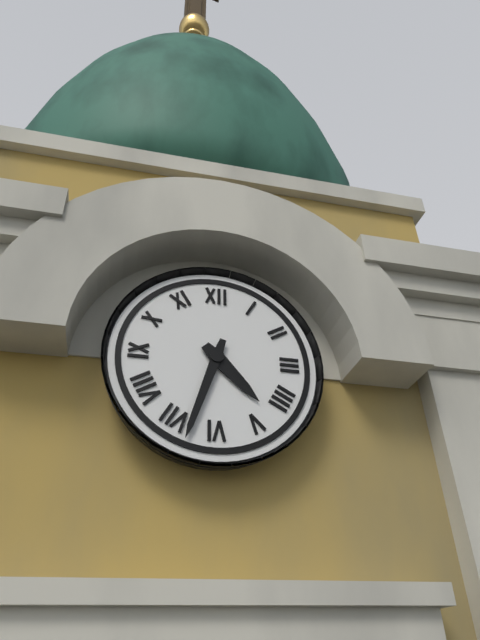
4:33
